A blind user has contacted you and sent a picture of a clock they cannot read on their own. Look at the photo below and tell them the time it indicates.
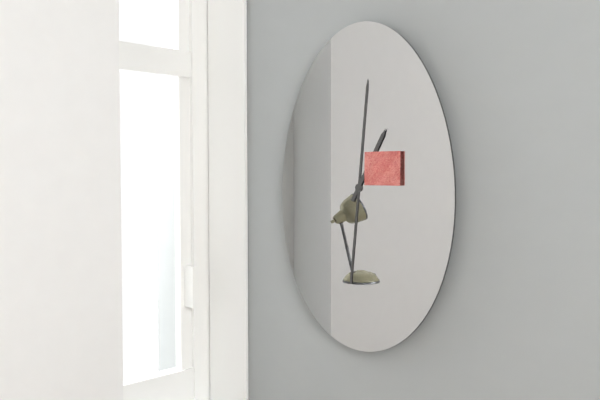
1:01
